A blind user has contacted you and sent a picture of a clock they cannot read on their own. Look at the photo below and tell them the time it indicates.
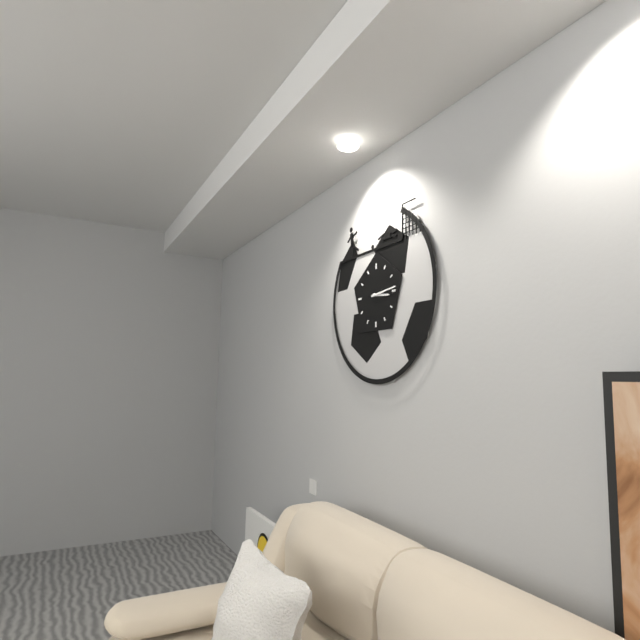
3:14
